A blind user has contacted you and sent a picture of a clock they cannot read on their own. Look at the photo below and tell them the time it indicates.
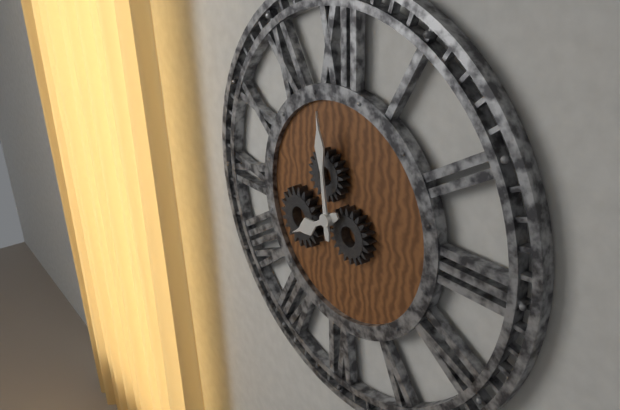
7:59
